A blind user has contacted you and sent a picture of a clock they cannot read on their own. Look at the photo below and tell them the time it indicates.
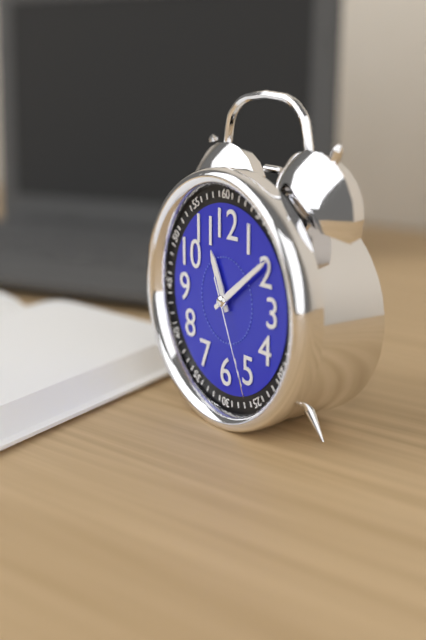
11:09:26
